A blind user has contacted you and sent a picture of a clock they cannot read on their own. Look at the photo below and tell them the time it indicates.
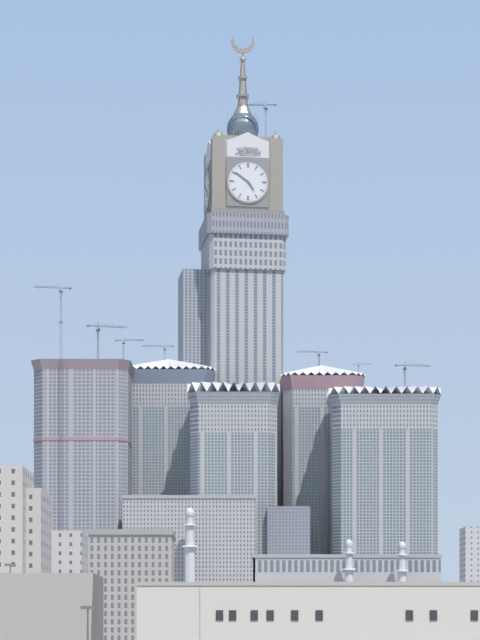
4:51
